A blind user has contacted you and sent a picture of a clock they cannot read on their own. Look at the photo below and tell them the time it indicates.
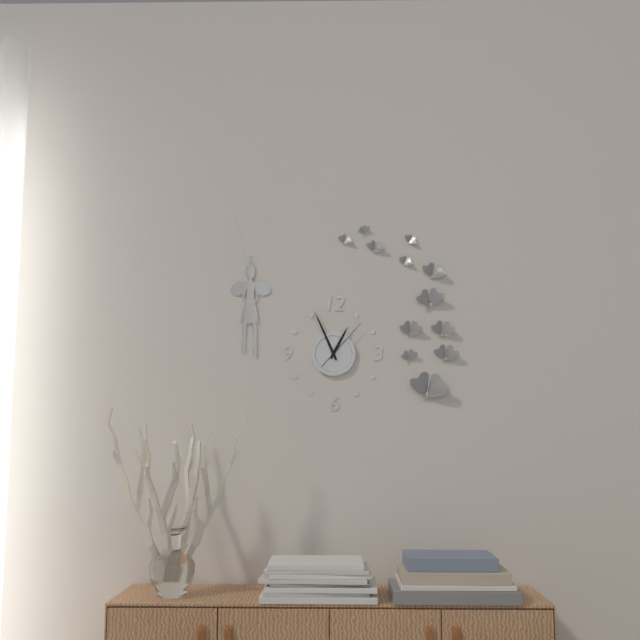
12:56:07
